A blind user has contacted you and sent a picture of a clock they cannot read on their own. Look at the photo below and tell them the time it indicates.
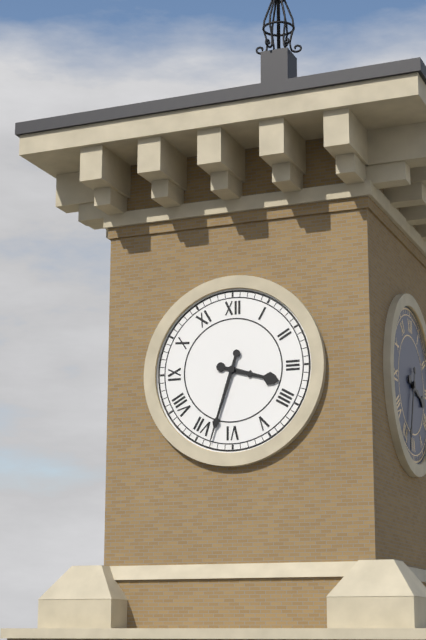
3:33
